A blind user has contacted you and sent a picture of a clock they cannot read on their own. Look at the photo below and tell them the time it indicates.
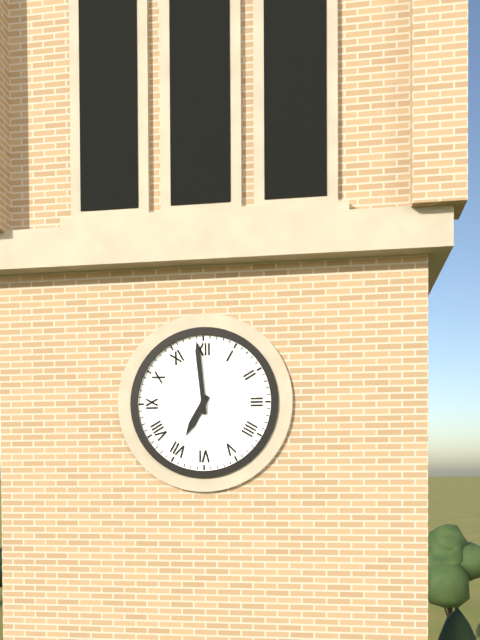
6:59
